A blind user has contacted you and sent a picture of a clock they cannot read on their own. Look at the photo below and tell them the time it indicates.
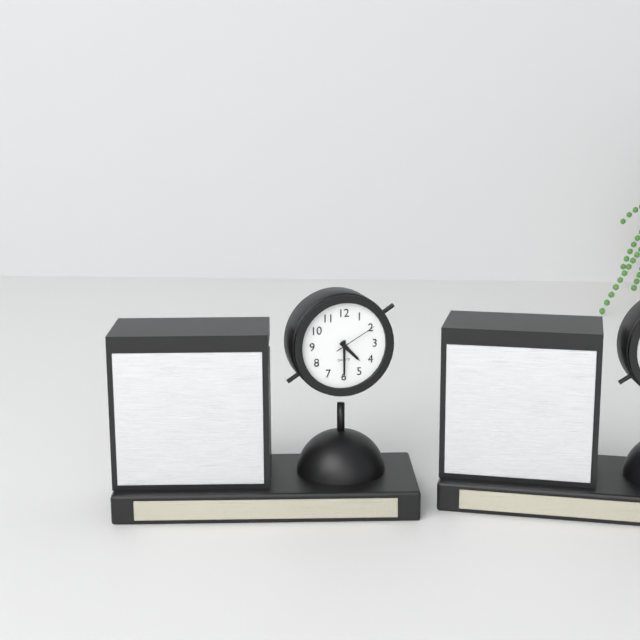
4:30
